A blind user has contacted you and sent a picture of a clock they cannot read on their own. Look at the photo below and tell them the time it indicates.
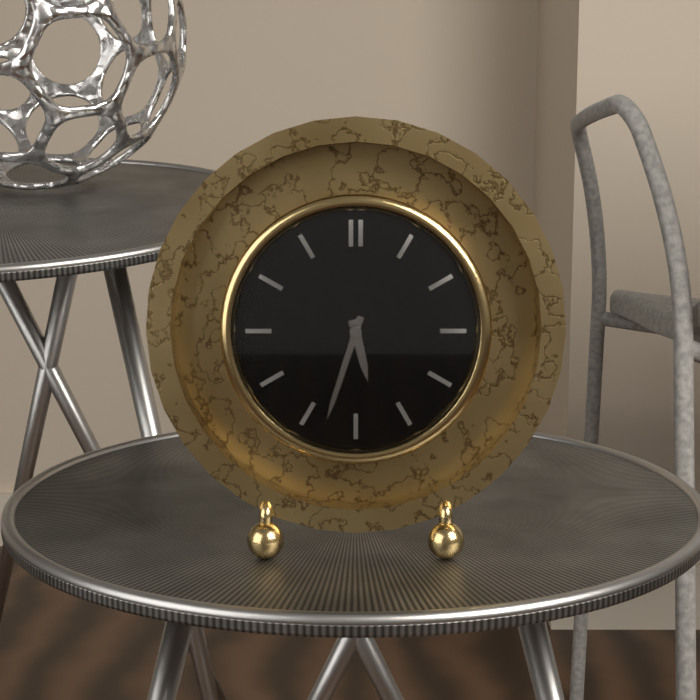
5:33
